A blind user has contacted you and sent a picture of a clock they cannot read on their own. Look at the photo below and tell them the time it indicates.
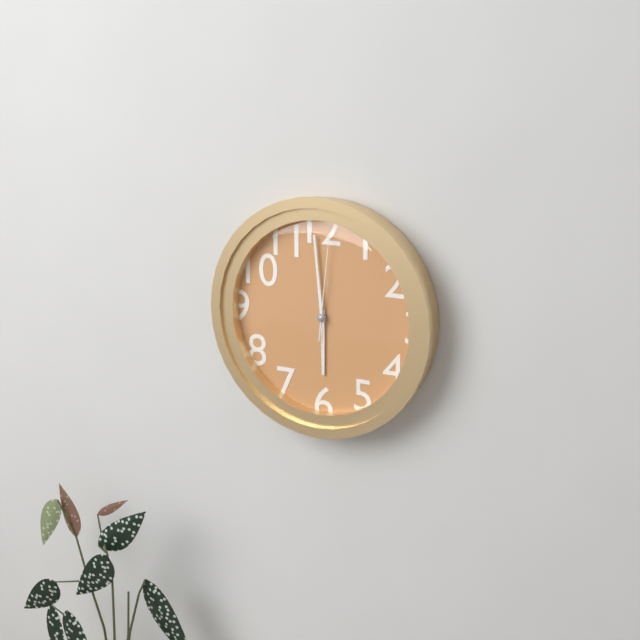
5:59:01
